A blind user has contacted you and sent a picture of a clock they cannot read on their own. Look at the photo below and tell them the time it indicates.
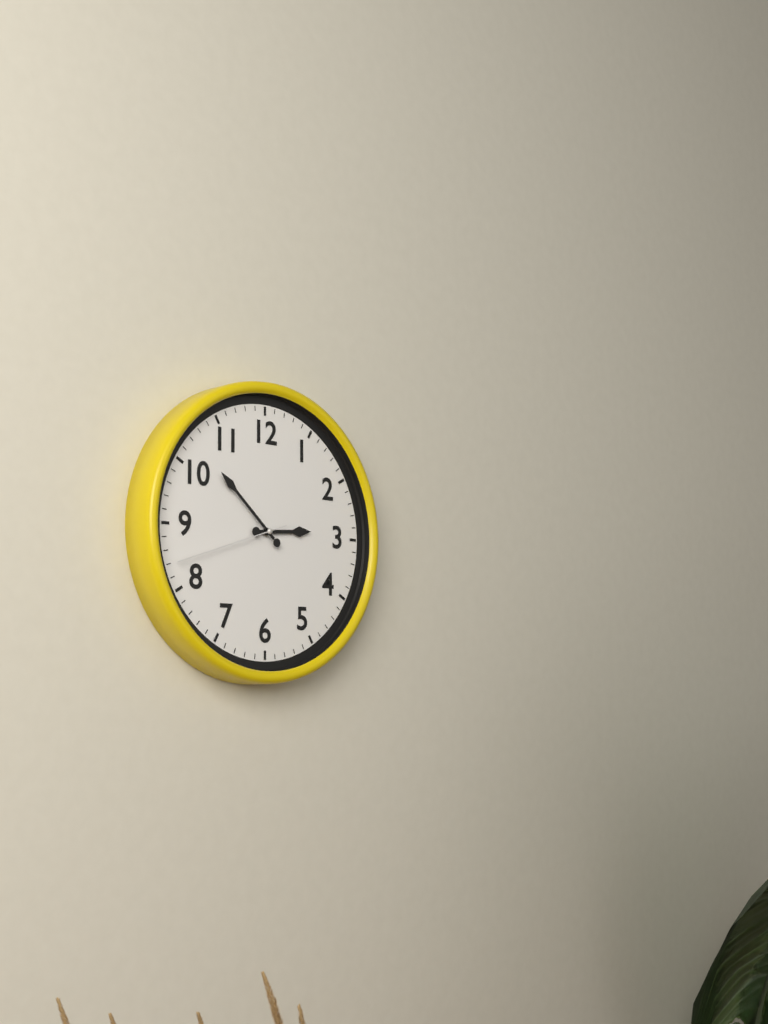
2:52:42
